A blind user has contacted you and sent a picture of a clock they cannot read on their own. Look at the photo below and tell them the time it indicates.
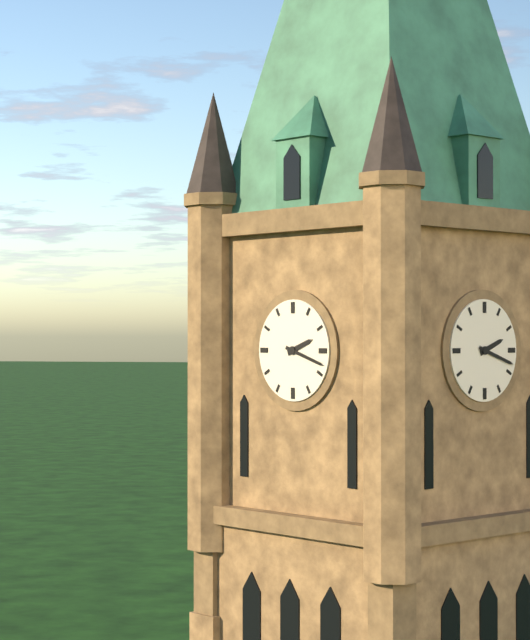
2:18
